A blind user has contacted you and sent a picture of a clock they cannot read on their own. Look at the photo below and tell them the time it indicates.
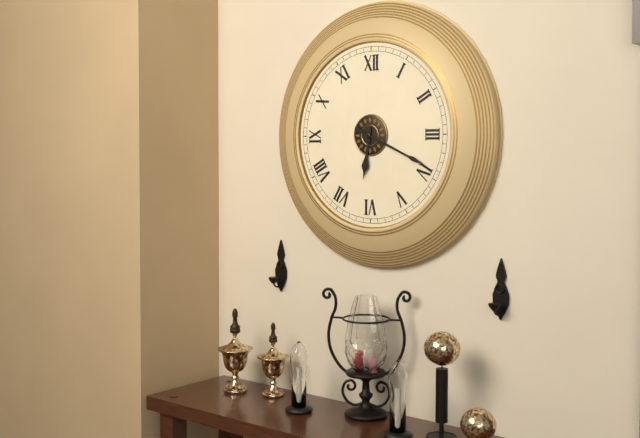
6:19
